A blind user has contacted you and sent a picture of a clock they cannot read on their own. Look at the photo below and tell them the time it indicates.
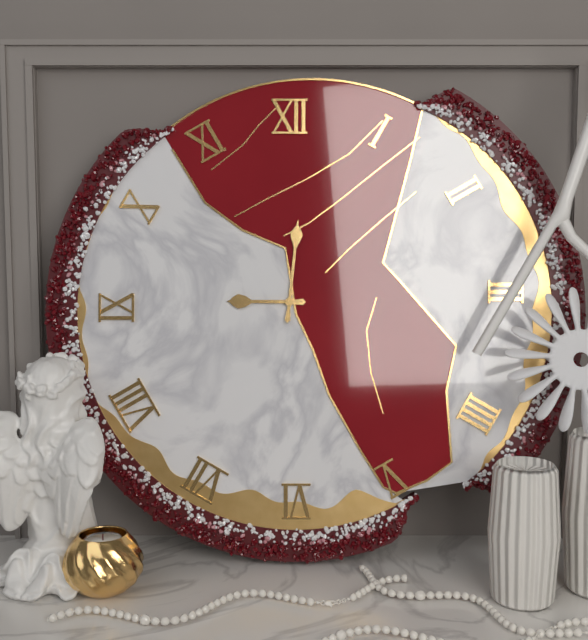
9:01
